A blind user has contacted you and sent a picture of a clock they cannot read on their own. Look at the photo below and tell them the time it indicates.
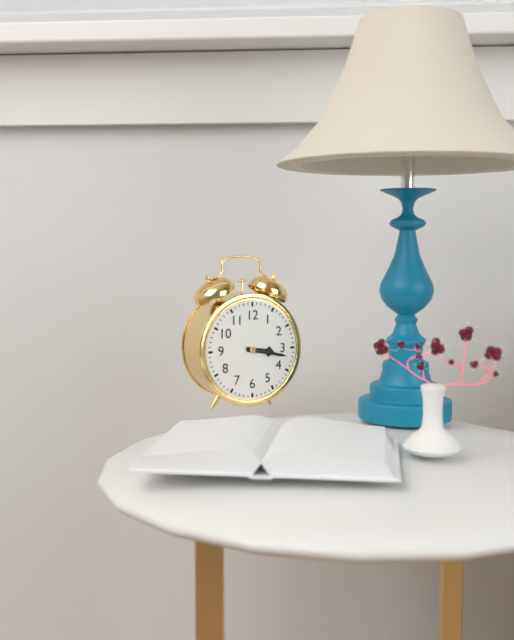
3:17
